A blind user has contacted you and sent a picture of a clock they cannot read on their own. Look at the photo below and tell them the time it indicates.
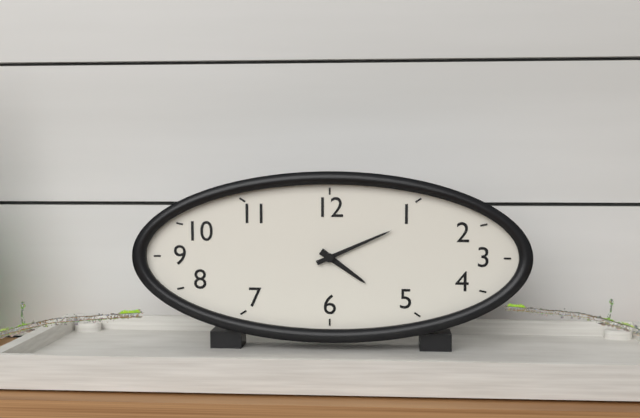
4:11
